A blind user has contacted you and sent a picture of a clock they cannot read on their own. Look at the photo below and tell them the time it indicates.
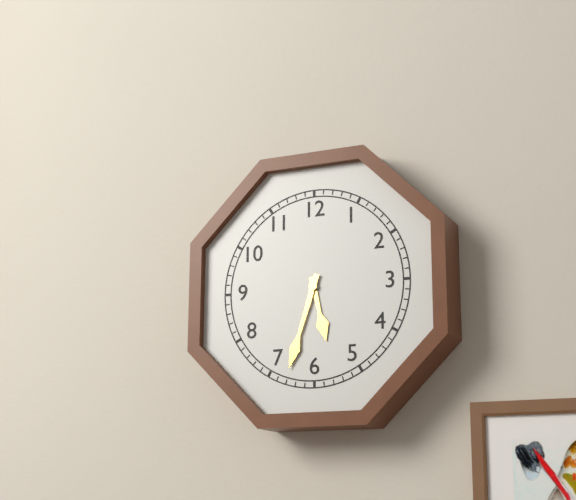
5:33
